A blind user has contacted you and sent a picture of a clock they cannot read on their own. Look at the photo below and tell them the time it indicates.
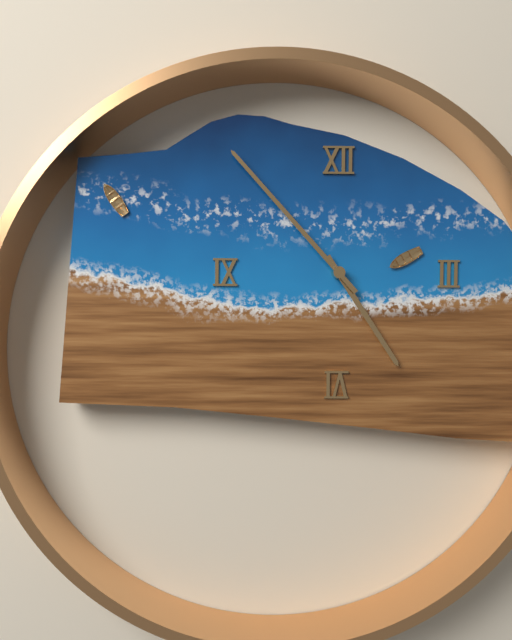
4:53
